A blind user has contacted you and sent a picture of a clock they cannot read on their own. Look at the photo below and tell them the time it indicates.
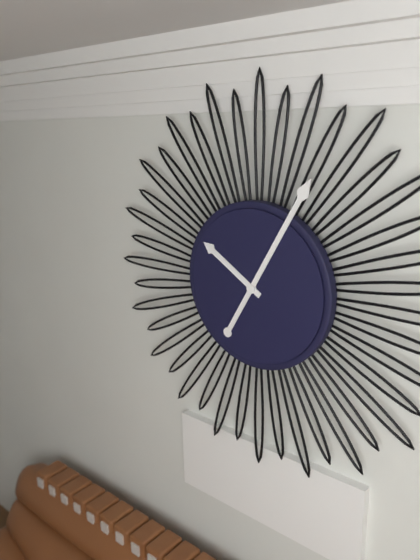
10:05
